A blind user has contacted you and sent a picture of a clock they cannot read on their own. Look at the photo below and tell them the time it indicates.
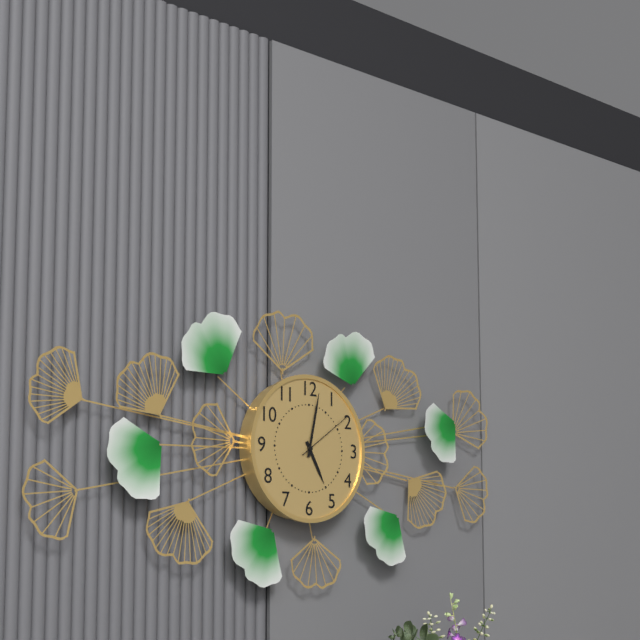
5:02:09
